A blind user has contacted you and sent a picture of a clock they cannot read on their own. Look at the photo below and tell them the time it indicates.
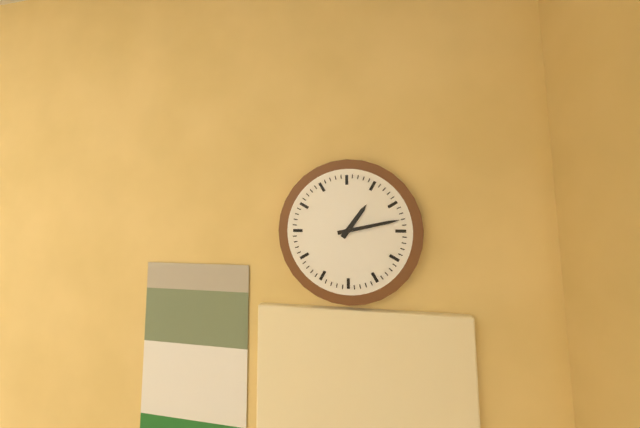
1:13
